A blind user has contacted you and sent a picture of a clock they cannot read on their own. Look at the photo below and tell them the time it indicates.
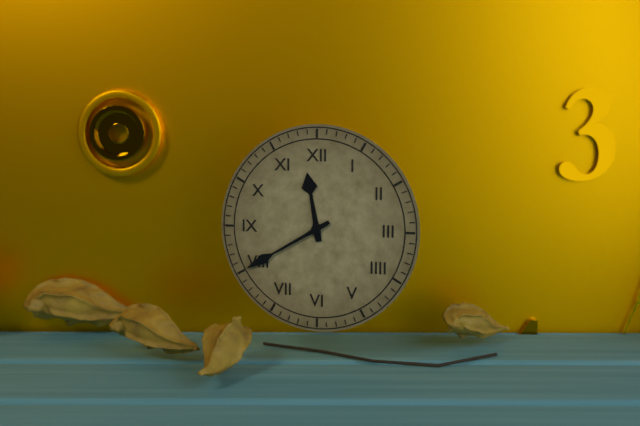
11:40
